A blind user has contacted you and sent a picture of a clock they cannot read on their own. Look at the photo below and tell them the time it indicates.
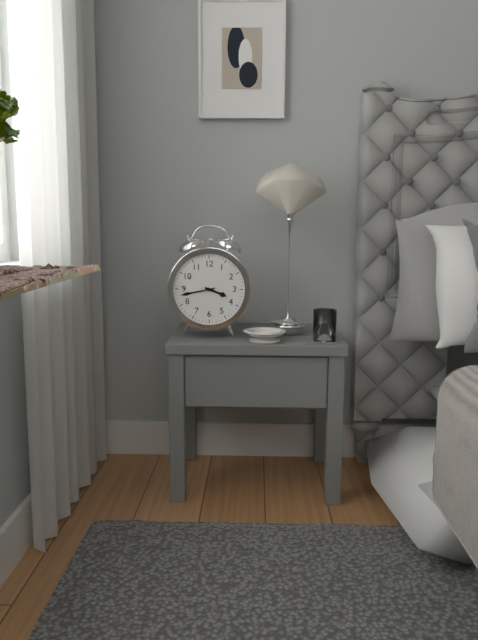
3:43
